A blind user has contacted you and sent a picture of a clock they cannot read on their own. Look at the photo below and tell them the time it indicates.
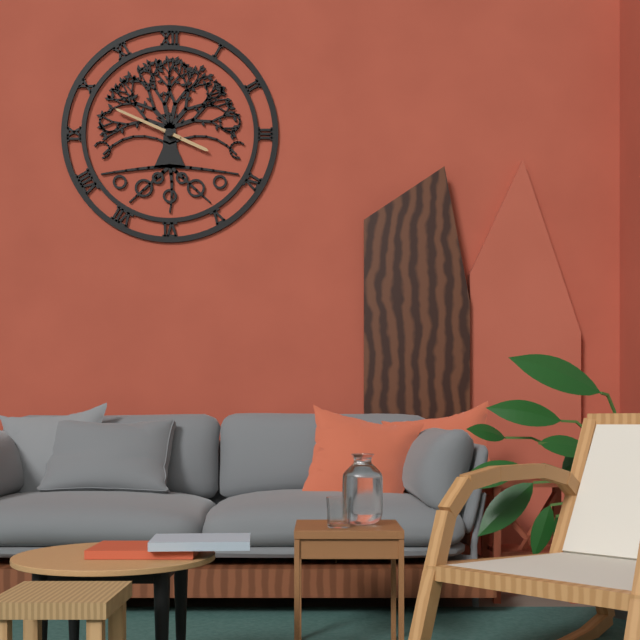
3:49
